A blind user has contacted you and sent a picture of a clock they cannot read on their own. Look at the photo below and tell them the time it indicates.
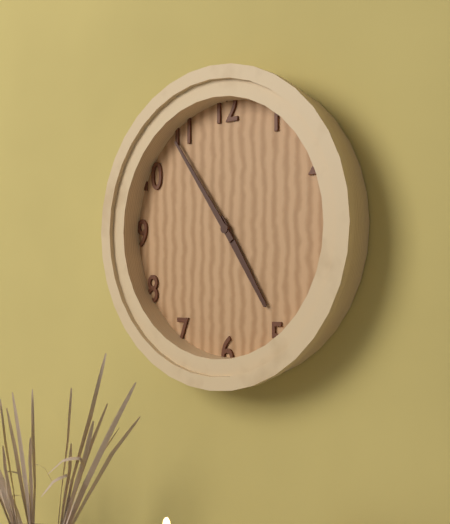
4:54
